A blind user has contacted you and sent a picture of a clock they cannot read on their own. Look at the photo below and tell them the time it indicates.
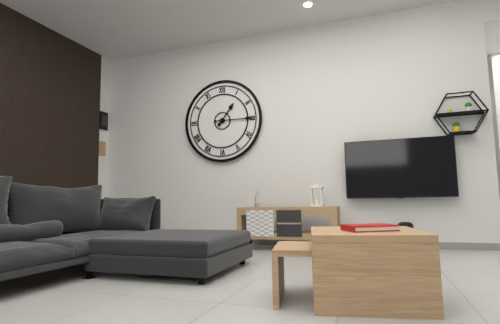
1:15
